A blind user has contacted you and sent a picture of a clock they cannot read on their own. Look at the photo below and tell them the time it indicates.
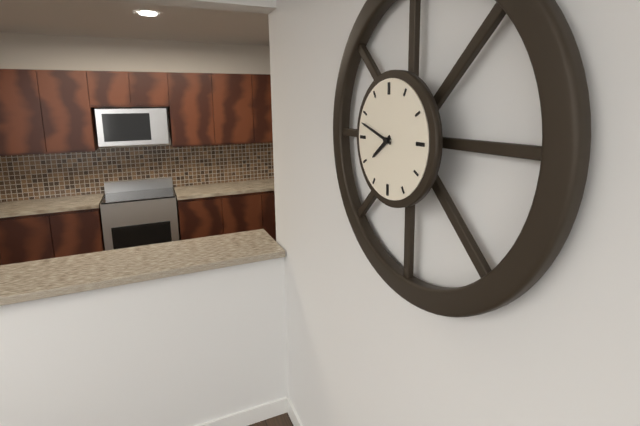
7:48
